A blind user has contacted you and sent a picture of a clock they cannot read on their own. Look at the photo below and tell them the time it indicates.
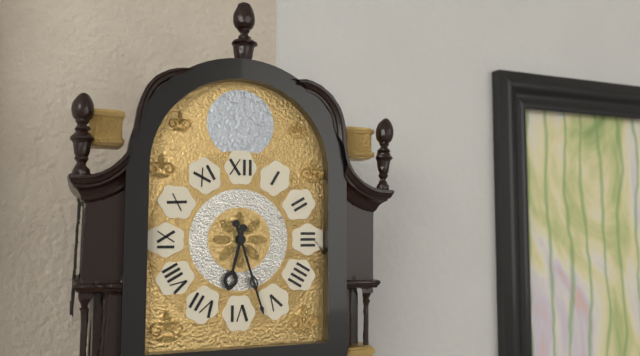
6:27
